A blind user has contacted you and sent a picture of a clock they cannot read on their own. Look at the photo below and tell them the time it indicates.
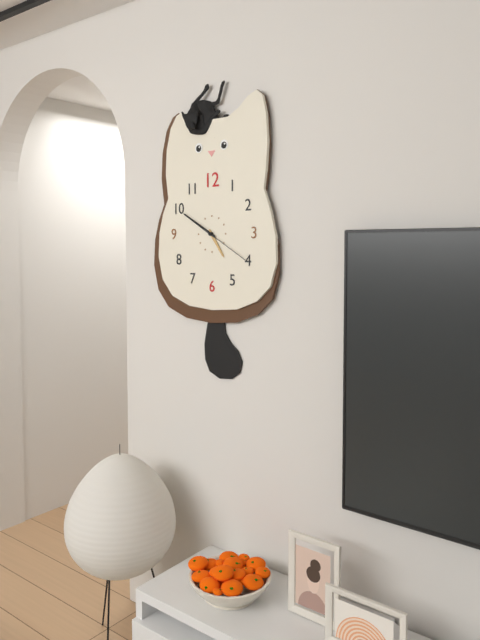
4:50
